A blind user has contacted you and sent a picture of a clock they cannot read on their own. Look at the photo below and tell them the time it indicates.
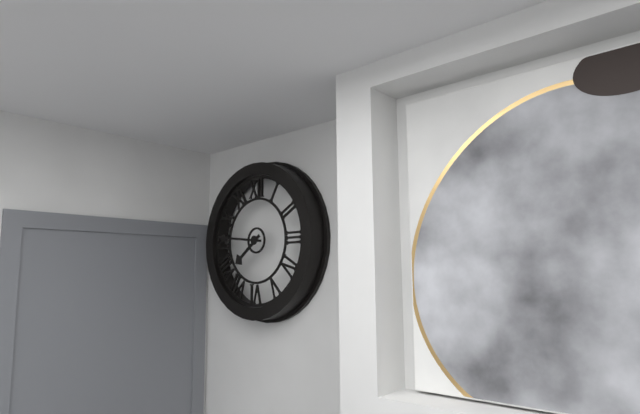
7:46
